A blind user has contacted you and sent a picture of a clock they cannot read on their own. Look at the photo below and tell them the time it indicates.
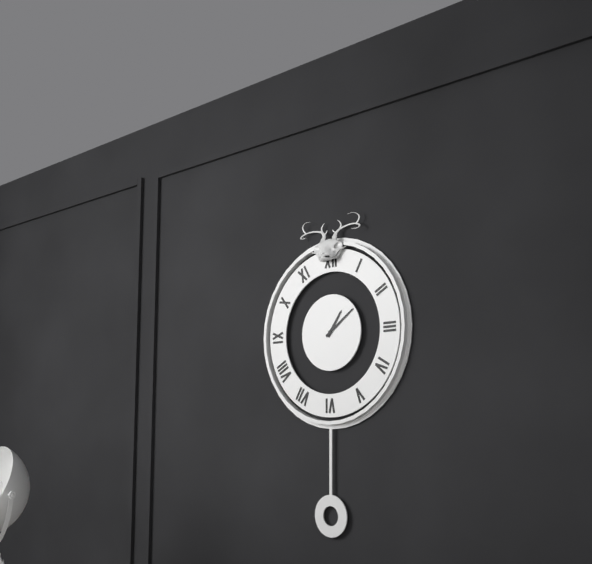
1:09
